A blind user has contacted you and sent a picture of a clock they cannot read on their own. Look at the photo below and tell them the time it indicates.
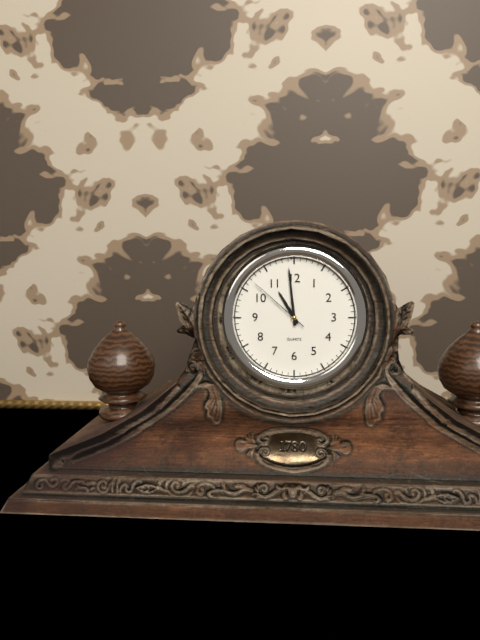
10:59:52
